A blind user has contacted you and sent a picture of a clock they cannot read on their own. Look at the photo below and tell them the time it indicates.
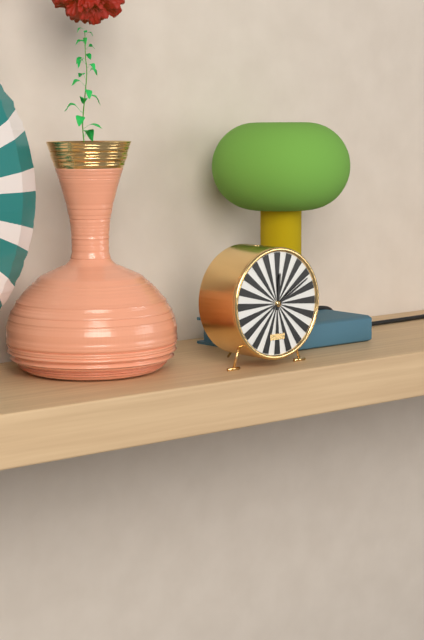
12:10
